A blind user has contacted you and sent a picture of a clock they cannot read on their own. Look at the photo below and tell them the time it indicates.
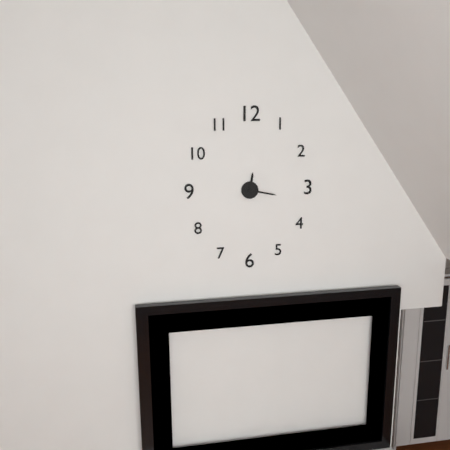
12:17
